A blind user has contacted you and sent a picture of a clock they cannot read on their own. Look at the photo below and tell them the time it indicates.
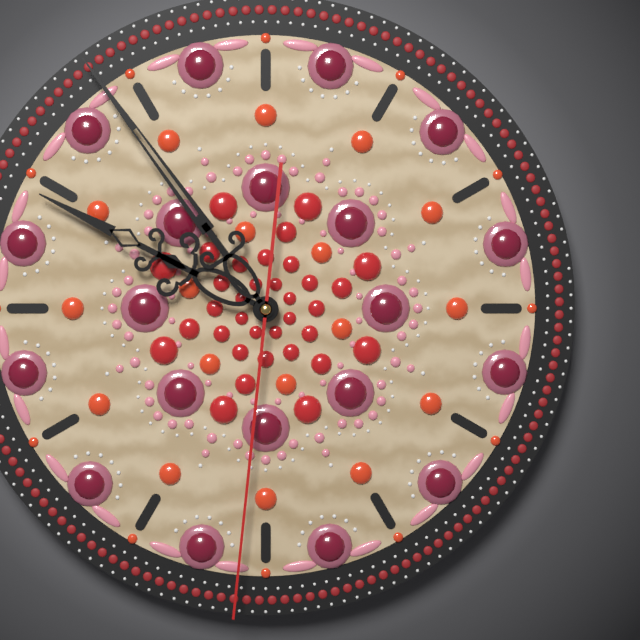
9:54:31
